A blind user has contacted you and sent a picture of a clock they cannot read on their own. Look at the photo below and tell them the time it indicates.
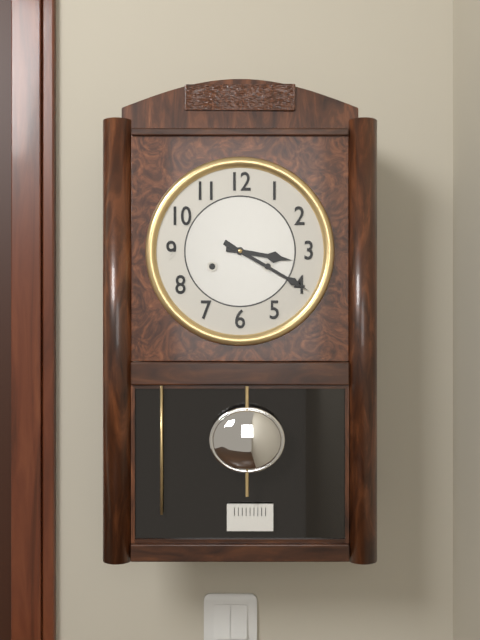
3:20
